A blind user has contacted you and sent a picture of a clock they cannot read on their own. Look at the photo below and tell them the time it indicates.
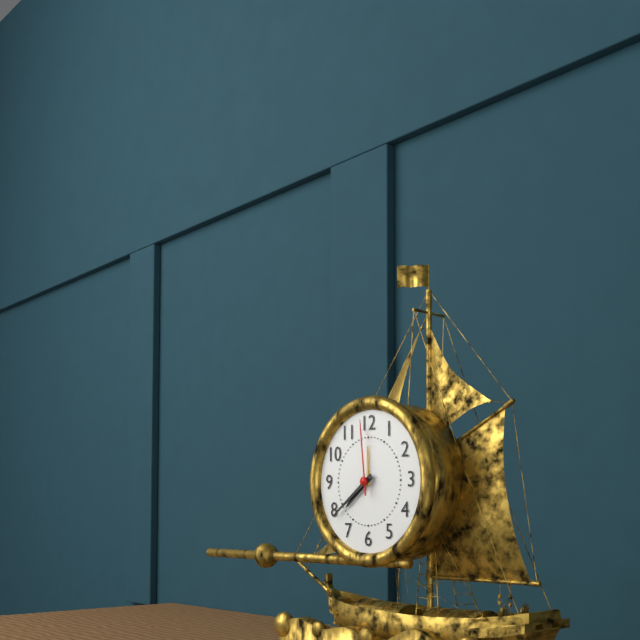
7:39:59
